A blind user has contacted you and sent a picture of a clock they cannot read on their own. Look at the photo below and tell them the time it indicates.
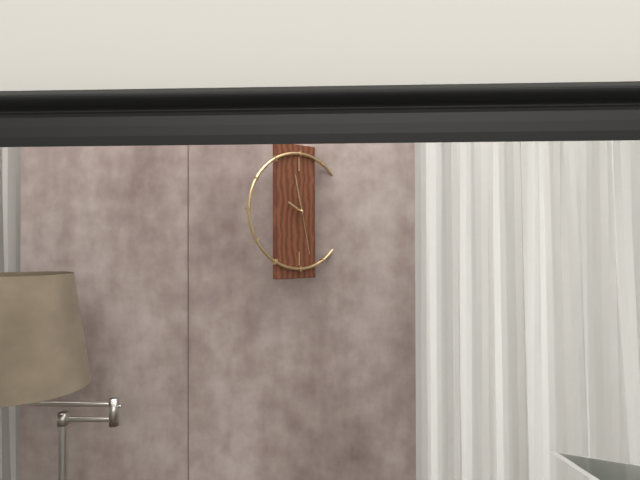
9:58:28
